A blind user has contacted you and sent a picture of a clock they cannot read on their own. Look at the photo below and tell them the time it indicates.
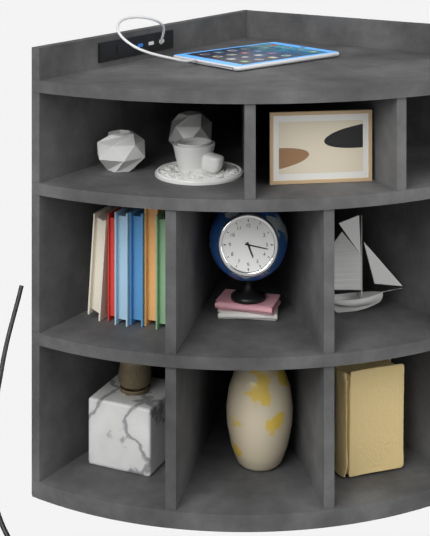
5:17
